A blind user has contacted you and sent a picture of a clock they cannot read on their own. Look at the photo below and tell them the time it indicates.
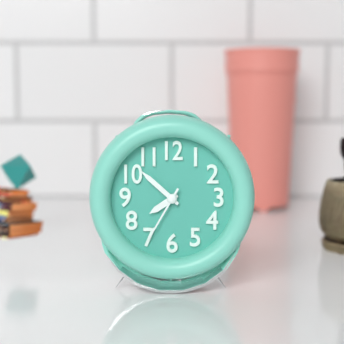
7:52:35
